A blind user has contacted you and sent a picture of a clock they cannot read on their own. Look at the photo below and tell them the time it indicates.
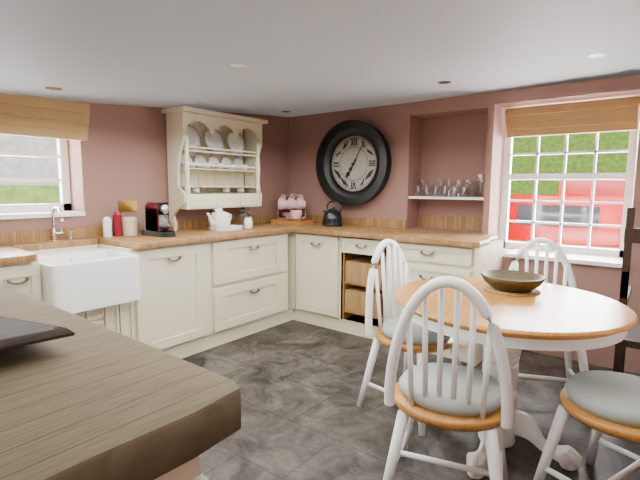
7:05
